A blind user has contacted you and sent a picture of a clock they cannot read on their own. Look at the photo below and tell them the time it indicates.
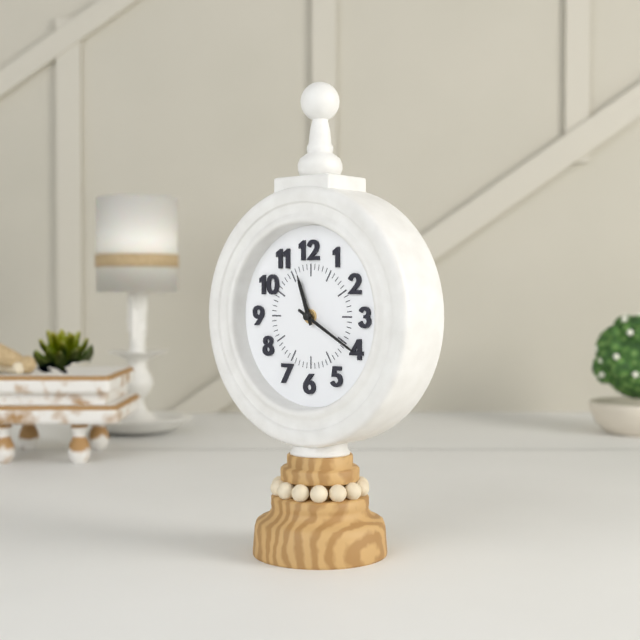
11:20
